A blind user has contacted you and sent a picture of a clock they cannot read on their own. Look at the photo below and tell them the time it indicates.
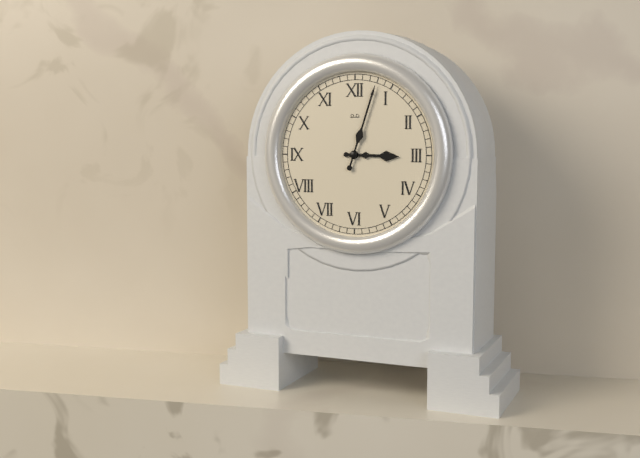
3:03
